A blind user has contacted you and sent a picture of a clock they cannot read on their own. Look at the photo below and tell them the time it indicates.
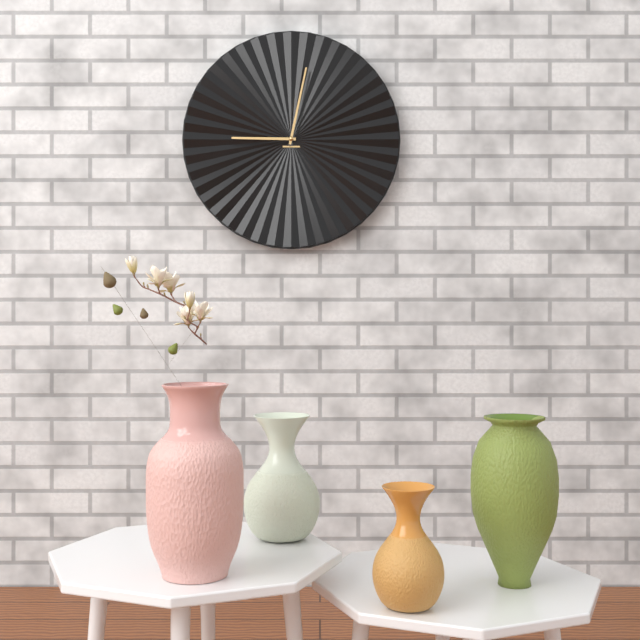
9:02
